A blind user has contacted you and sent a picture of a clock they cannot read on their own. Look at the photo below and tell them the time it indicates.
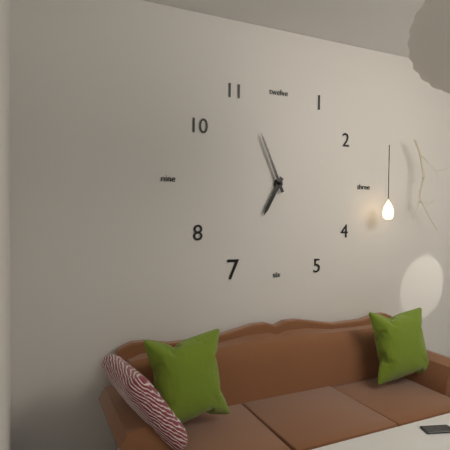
6:56
